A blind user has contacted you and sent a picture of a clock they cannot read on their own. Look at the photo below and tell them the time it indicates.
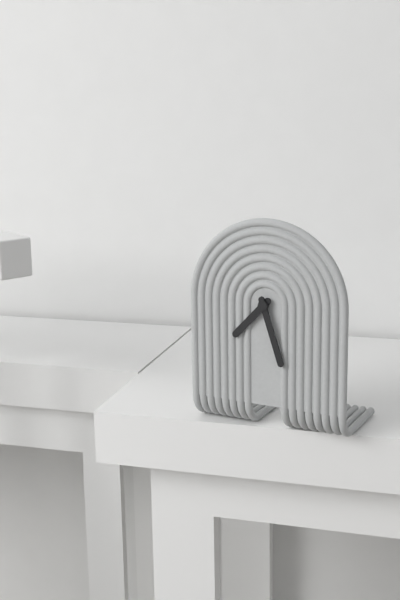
7:27
